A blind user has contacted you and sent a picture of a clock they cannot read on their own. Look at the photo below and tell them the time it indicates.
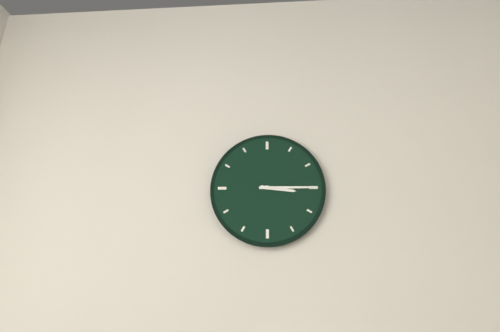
3:15
